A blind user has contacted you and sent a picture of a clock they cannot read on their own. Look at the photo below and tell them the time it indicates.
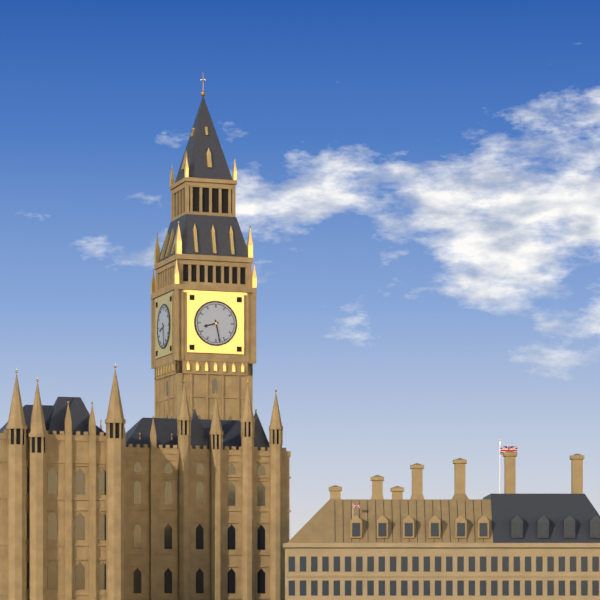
8:28
